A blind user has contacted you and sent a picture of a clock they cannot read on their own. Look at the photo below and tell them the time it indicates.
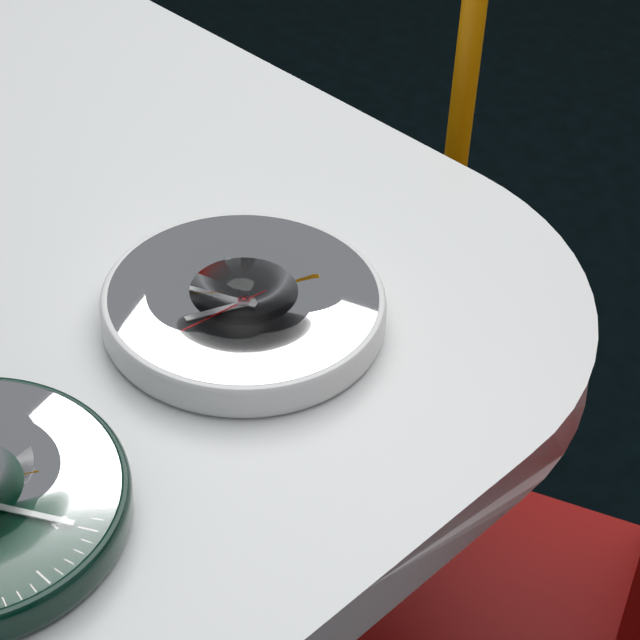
6:41:31
